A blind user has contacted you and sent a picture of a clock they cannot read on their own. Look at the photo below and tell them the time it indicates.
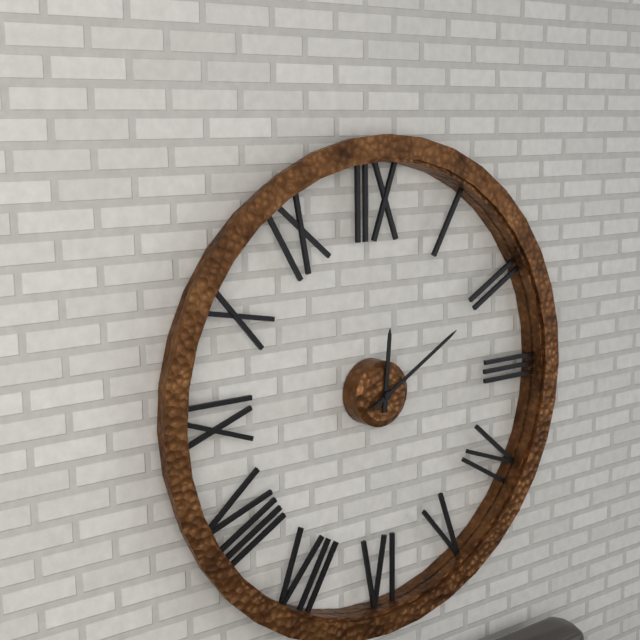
12:10
